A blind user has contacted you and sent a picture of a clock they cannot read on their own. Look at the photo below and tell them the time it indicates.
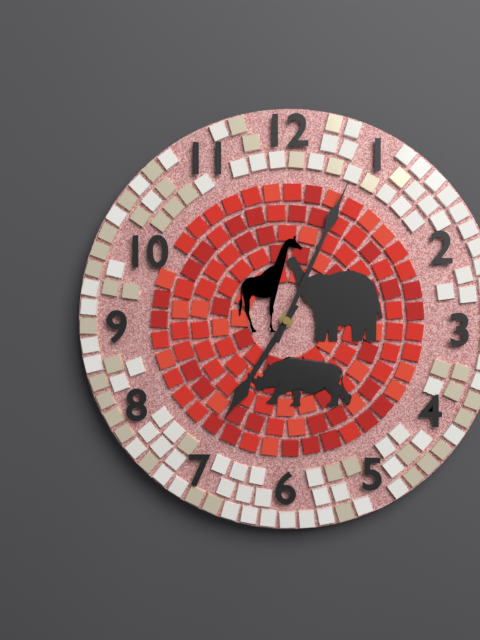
7:04
